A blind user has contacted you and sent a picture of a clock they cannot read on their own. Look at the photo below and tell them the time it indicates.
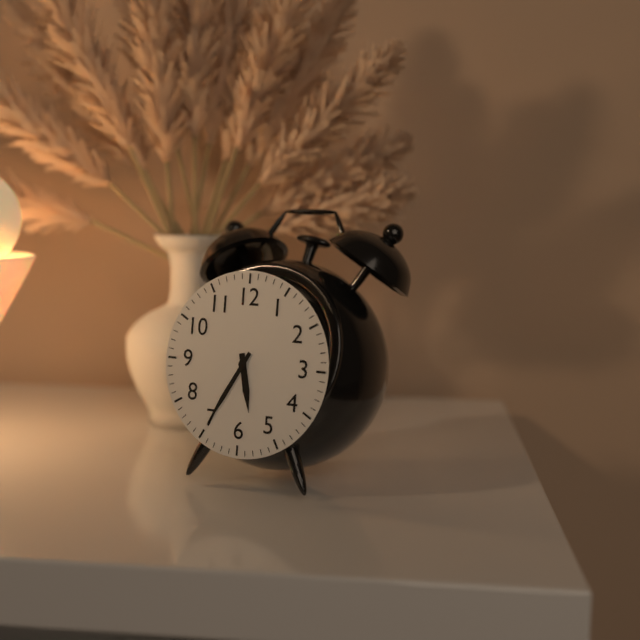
5:35
